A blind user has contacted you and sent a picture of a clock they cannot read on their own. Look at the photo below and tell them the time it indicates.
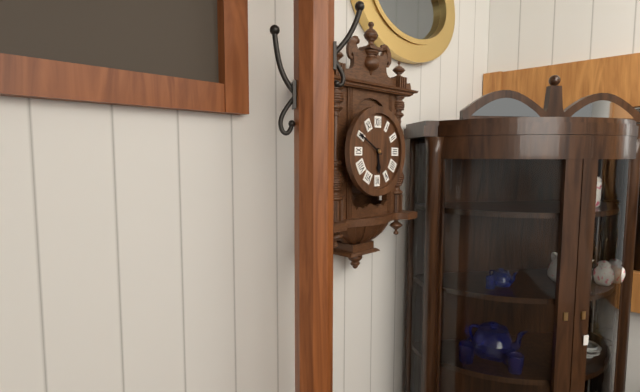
5:50
